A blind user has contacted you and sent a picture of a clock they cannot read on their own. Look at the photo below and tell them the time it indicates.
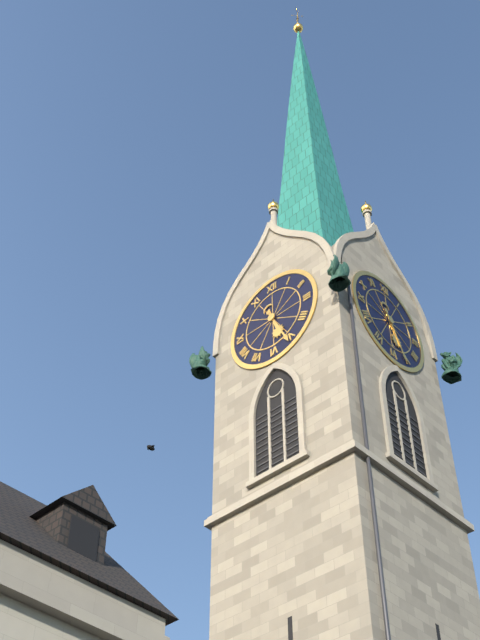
5:26
